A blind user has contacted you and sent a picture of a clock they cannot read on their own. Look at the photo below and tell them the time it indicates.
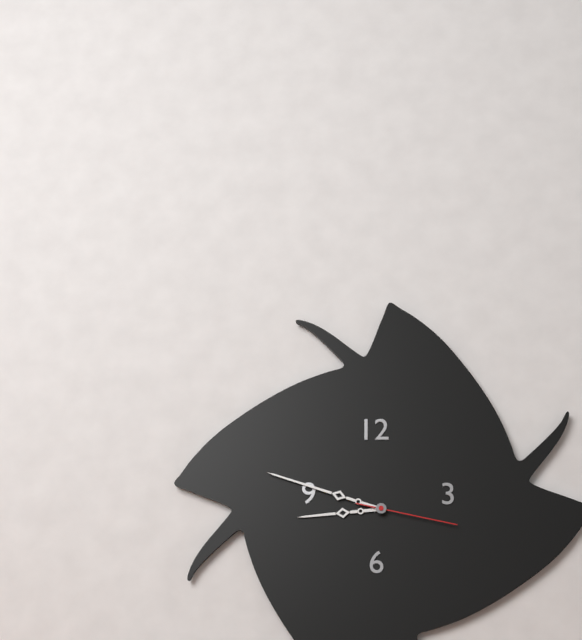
8:48:17
